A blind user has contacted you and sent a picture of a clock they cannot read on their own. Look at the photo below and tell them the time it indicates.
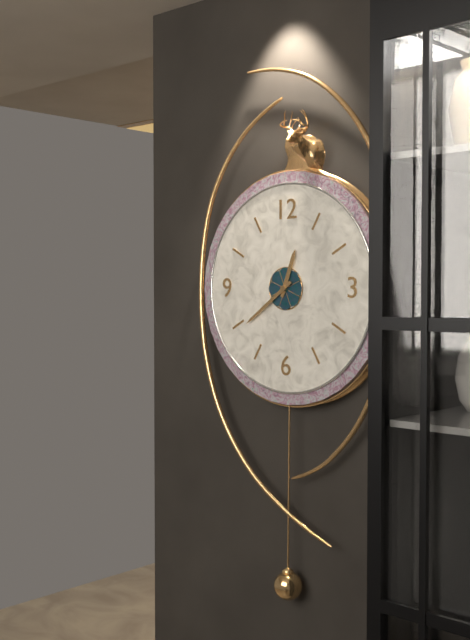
12:39
